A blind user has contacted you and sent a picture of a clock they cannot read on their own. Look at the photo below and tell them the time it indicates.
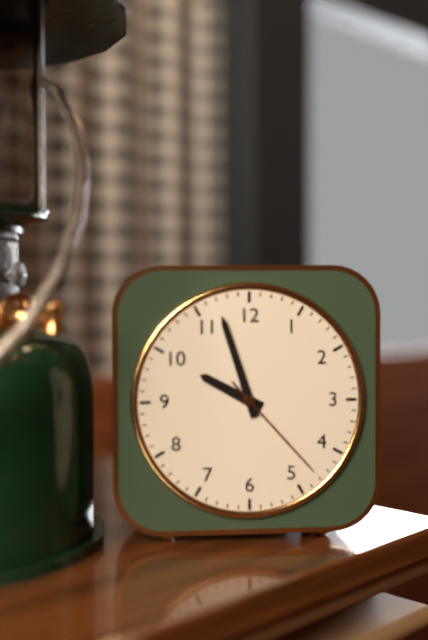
9:57:23
